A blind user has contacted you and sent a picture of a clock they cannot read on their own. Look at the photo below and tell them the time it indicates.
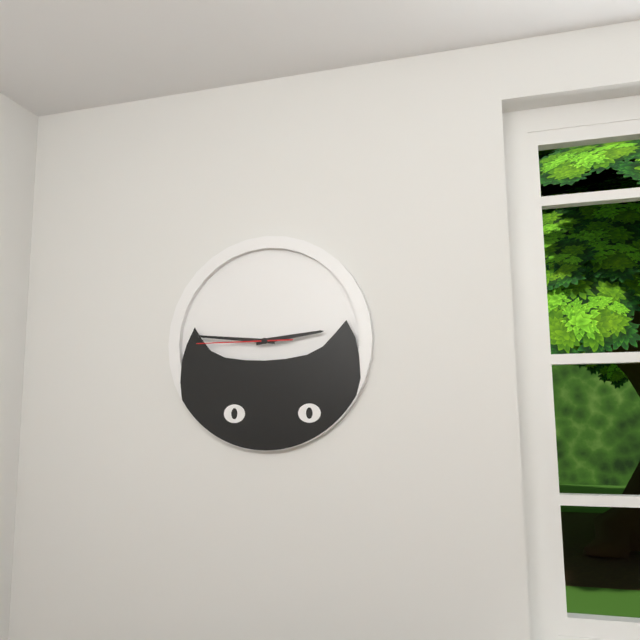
2:46:45
